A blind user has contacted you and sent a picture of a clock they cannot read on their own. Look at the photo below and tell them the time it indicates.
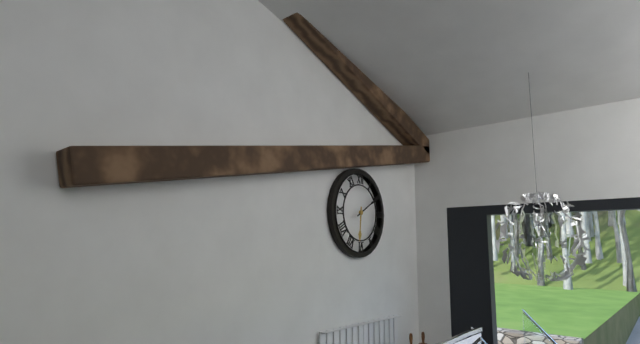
6:10
